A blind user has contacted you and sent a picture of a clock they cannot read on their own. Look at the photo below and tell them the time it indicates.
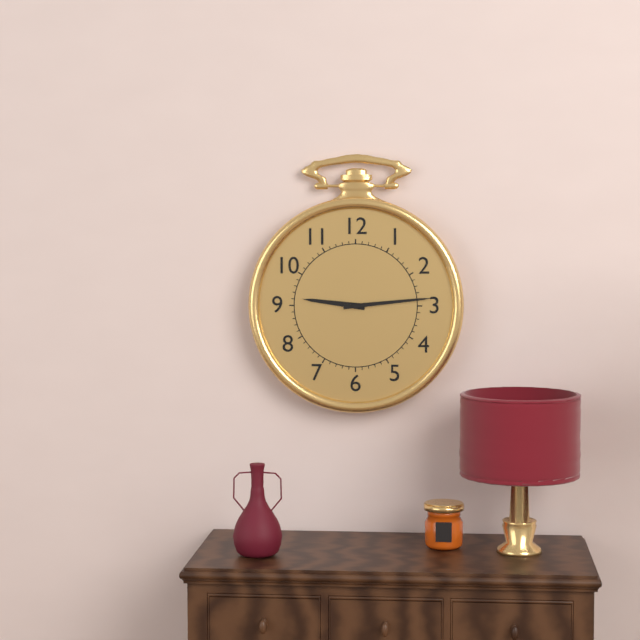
9:14
